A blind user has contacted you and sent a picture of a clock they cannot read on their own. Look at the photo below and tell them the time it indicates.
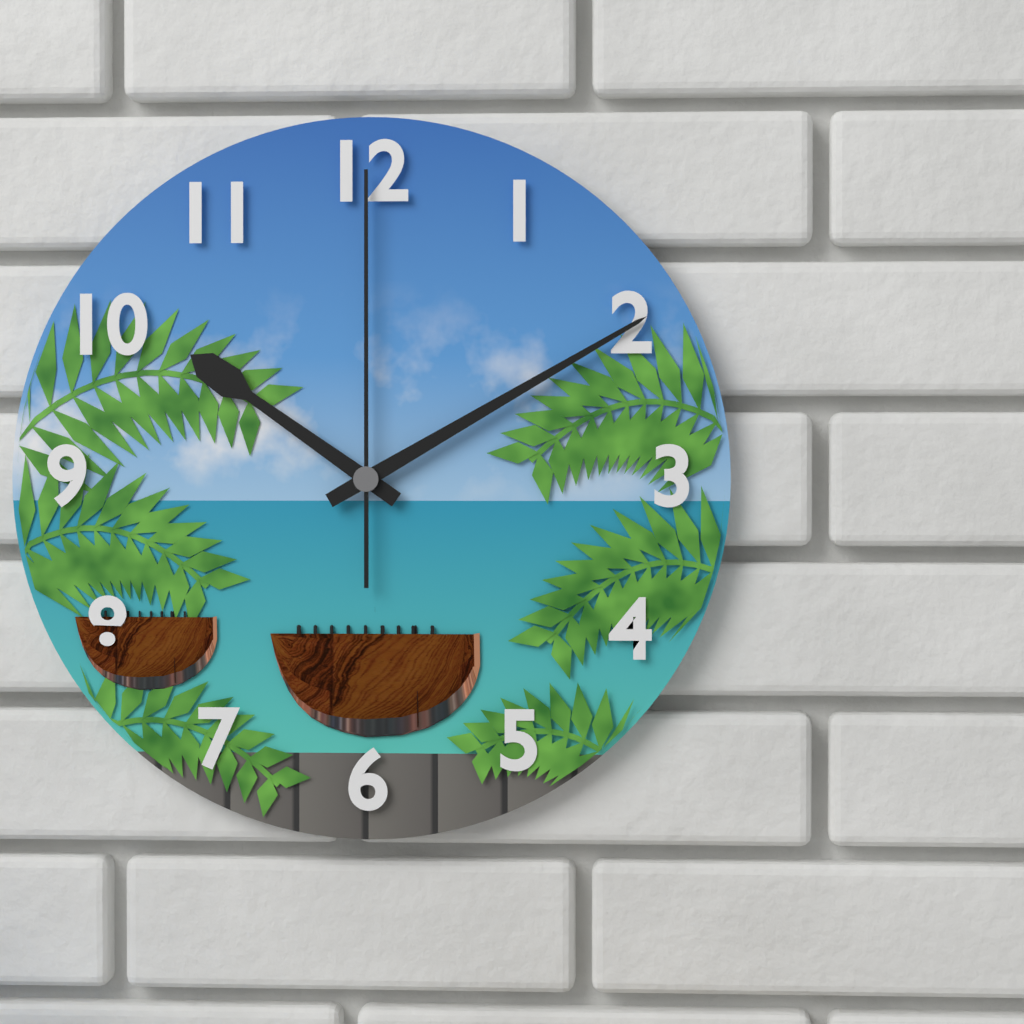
10:10:00
